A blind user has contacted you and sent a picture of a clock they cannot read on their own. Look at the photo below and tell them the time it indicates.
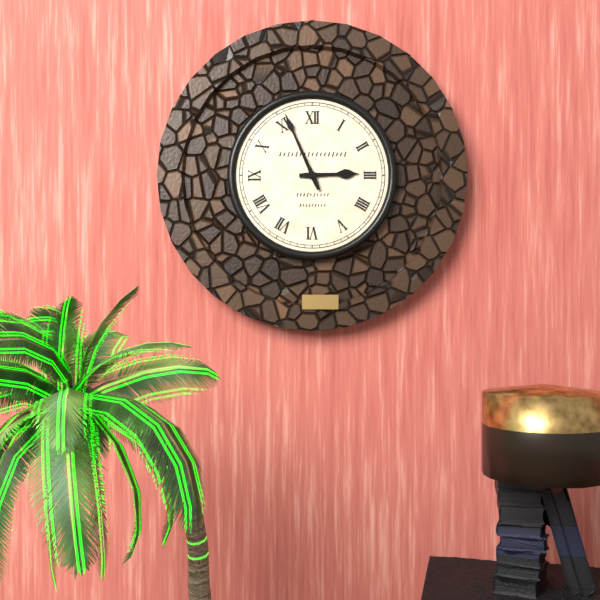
2:56
